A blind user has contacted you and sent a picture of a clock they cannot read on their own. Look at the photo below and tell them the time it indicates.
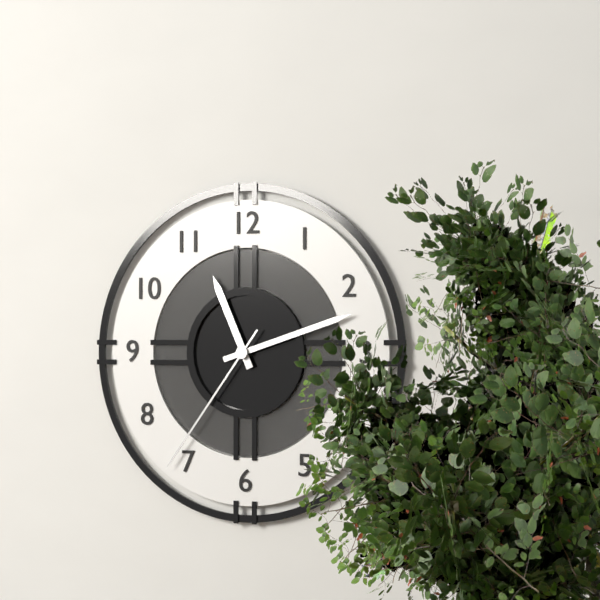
11:12:36
